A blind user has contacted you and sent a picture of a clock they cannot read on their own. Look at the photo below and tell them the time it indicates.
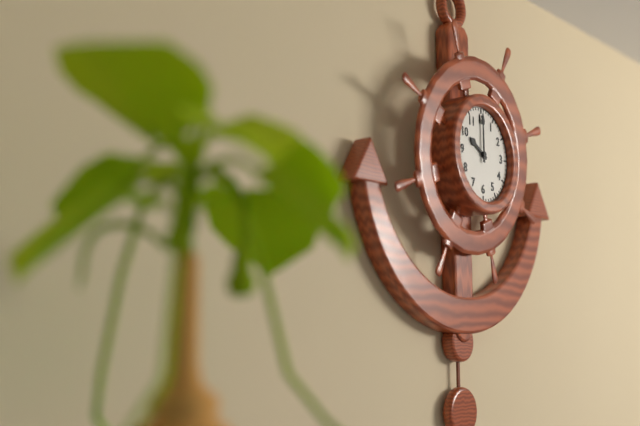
10:00
